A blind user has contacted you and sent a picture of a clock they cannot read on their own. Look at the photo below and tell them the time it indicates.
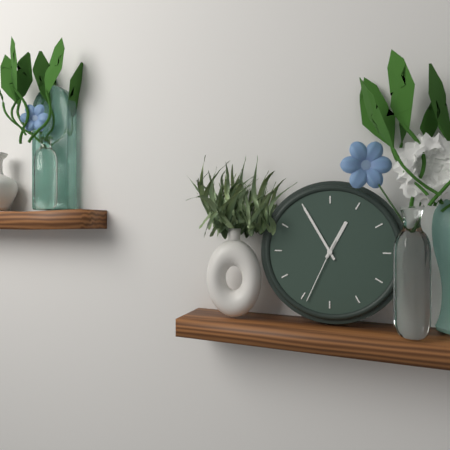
12:55:34
